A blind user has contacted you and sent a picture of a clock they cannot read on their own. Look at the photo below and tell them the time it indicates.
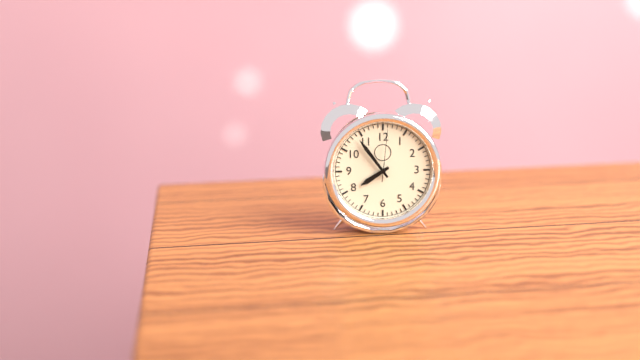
7:54:01
